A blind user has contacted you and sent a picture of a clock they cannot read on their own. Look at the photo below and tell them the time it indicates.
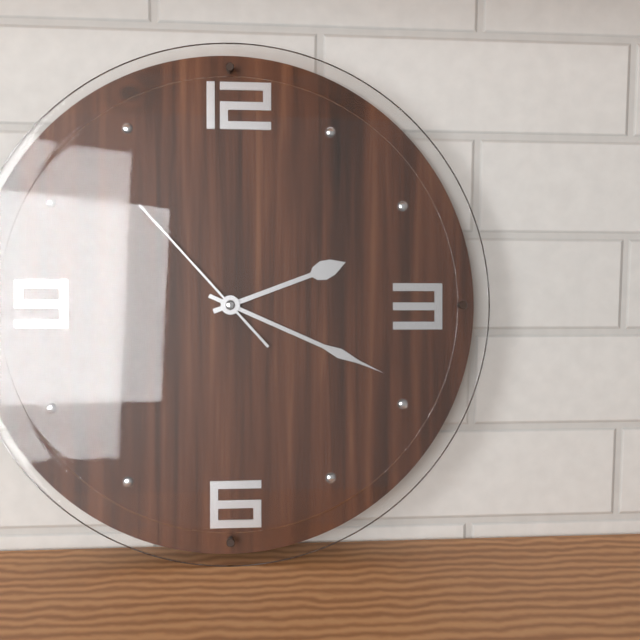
2:19:53
